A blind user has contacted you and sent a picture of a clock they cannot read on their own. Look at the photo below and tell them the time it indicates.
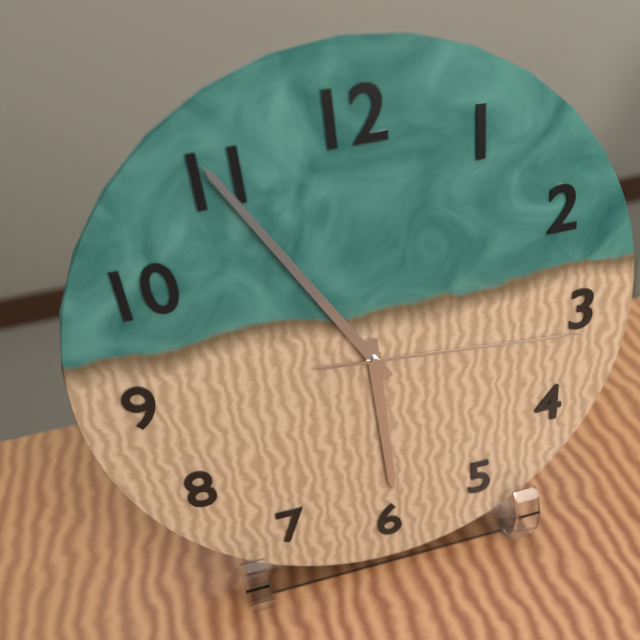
5:55:16
